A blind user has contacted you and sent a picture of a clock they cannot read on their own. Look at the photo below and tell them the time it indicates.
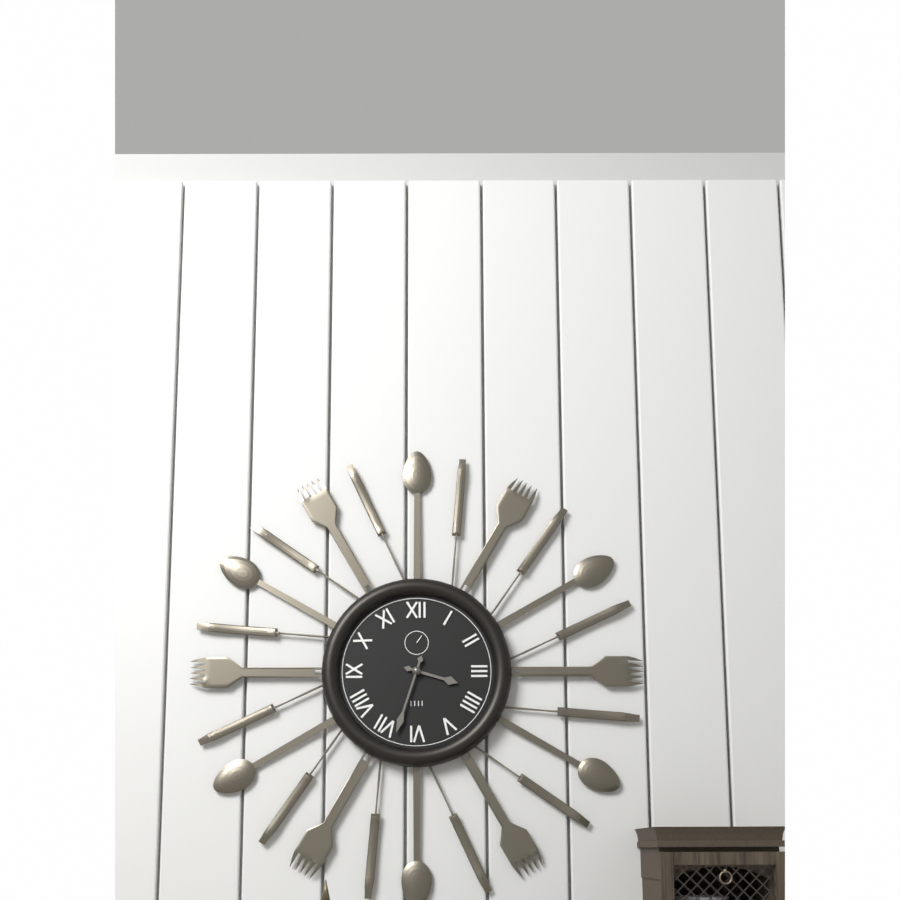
3:33
